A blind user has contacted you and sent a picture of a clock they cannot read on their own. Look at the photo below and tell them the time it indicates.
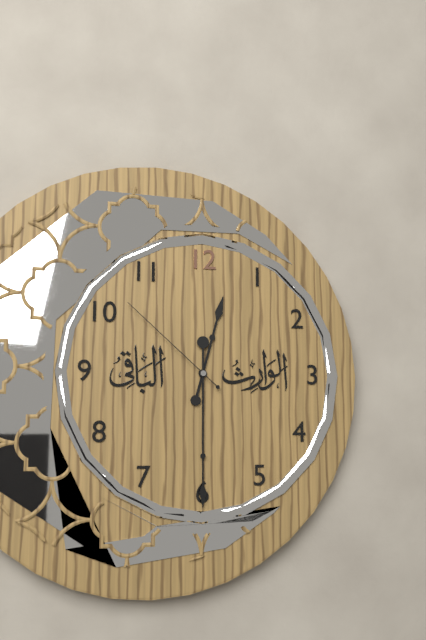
12:30:52
